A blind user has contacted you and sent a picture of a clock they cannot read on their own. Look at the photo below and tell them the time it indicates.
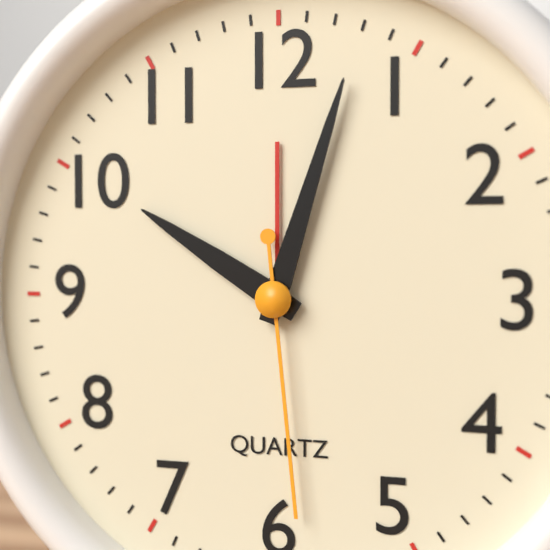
10:03:29
